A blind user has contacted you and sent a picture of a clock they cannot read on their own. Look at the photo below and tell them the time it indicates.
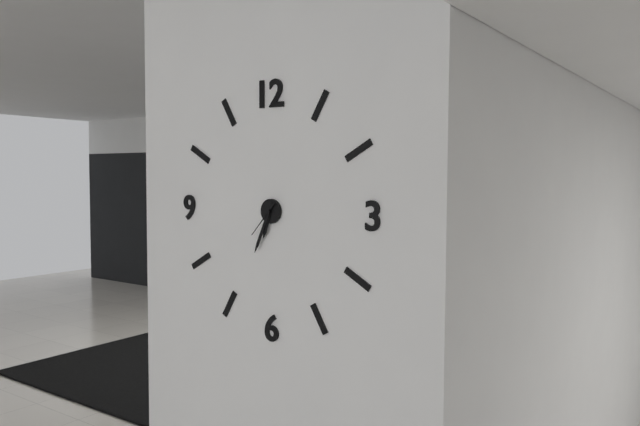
6:34
